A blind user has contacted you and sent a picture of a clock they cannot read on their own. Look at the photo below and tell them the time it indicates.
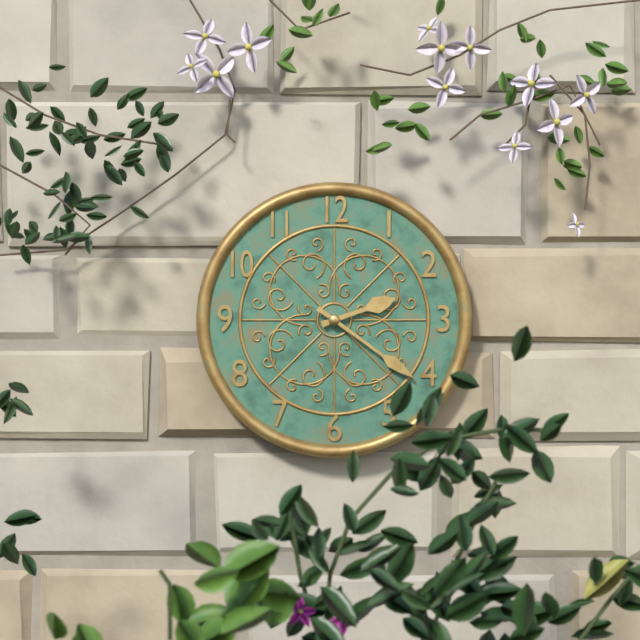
2:21
